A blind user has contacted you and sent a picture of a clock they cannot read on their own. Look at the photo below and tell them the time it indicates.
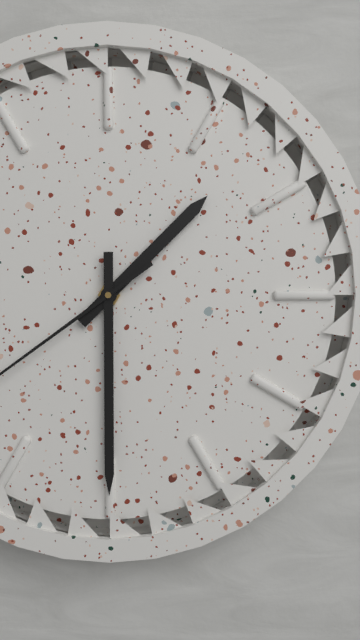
1:30
